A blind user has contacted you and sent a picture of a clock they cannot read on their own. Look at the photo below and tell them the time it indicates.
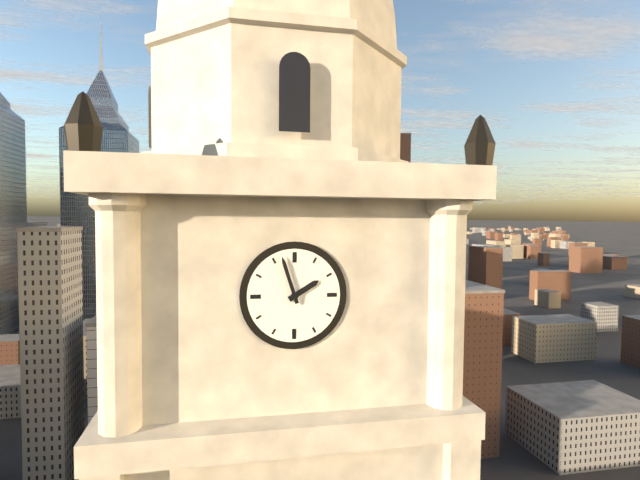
1:57
